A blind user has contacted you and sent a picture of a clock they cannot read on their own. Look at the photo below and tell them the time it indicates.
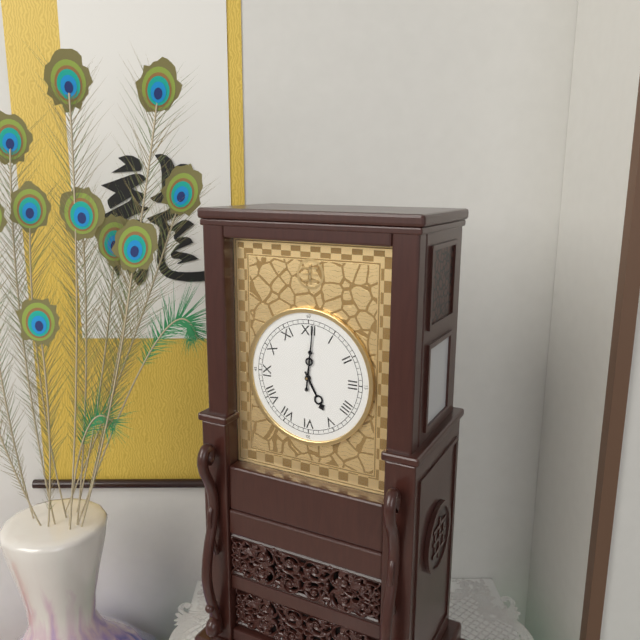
5:01
